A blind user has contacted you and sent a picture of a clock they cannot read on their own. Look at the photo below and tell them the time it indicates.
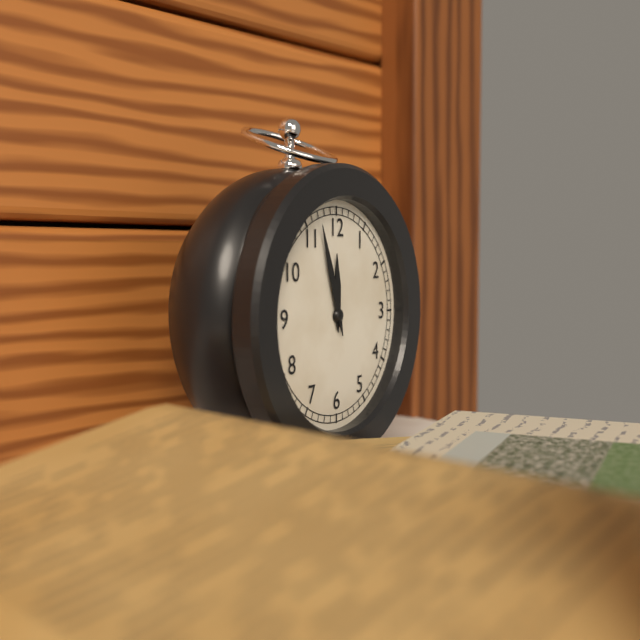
11:57
